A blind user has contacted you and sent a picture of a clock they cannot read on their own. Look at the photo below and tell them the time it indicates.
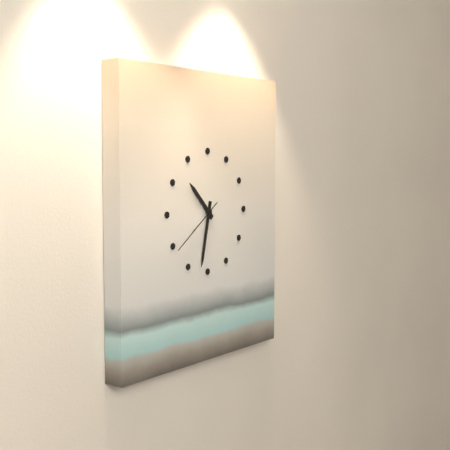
10:32:39
